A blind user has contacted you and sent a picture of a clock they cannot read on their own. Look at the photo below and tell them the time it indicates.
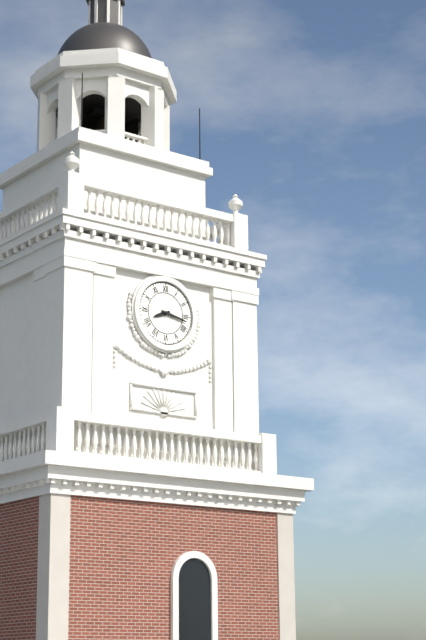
8:17
